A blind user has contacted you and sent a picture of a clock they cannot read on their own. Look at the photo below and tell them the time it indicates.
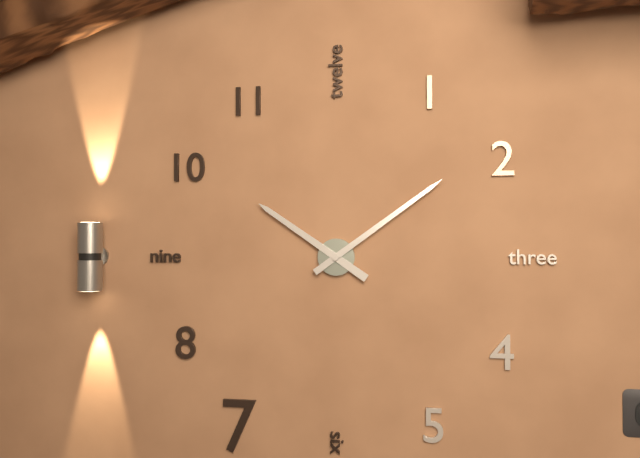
10:09
